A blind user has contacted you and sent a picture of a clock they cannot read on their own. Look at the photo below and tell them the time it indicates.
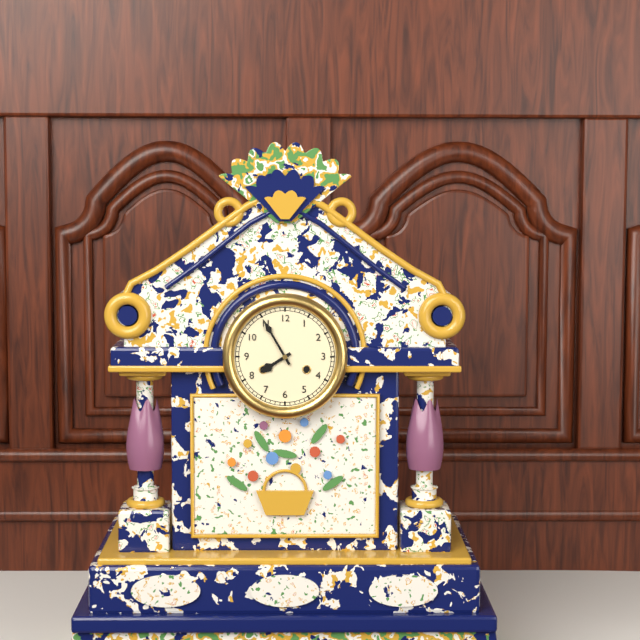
7:55
